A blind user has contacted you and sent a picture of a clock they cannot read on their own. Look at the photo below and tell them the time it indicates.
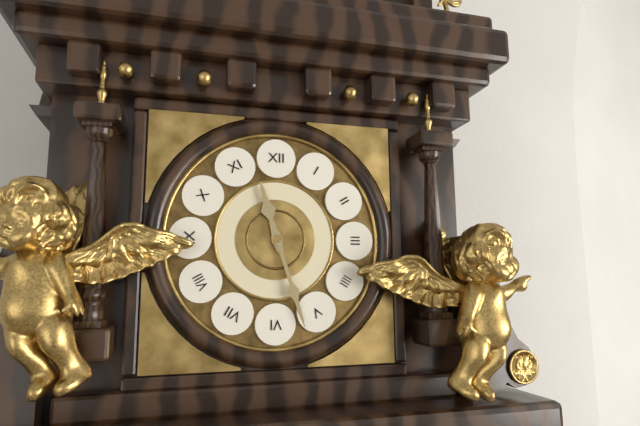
11:27
